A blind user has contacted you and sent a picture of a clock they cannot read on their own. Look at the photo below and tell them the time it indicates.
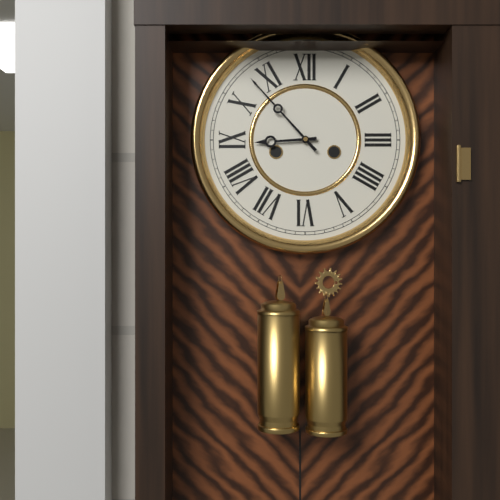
8:53
